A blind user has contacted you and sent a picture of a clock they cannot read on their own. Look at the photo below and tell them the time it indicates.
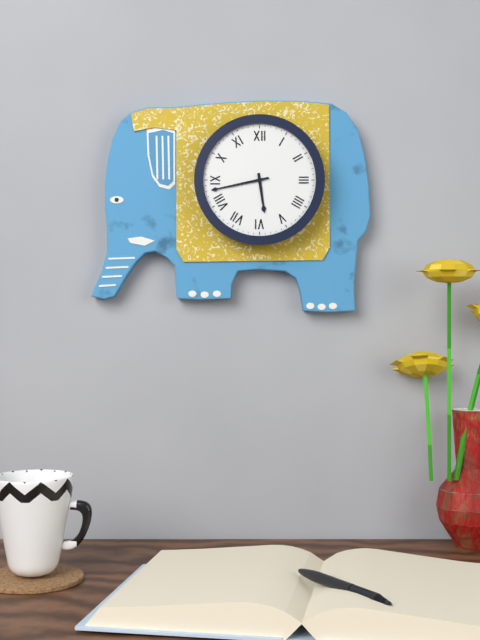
5:43
